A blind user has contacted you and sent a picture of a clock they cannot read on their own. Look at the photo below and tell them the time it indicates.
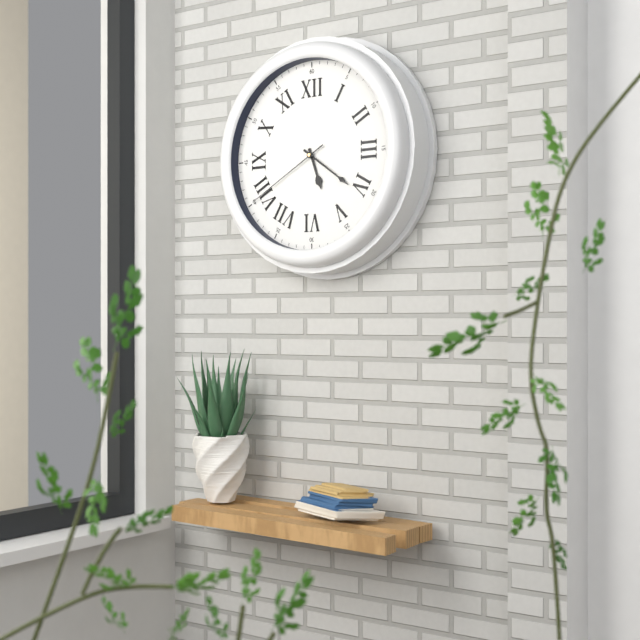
5:21:40
